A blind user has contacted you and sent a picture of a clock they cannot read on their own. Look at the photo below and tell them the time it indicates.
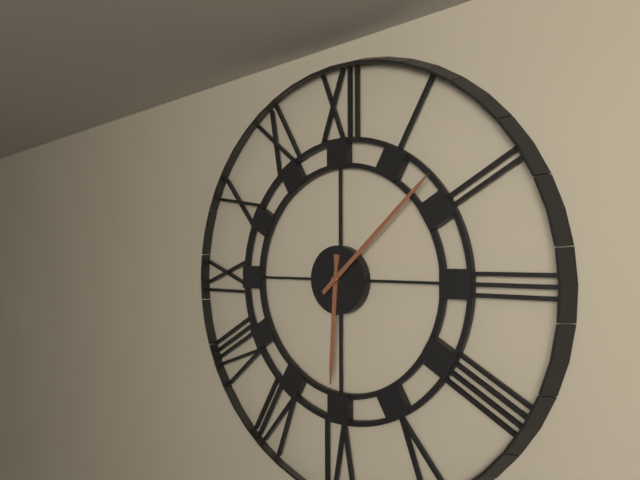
6:08
